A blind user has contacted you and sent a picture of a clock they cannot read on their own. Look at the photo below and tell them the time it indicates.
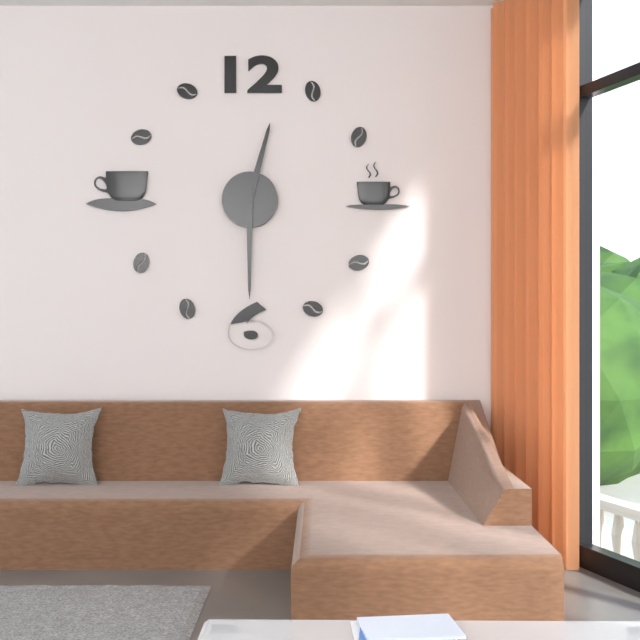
12:30
